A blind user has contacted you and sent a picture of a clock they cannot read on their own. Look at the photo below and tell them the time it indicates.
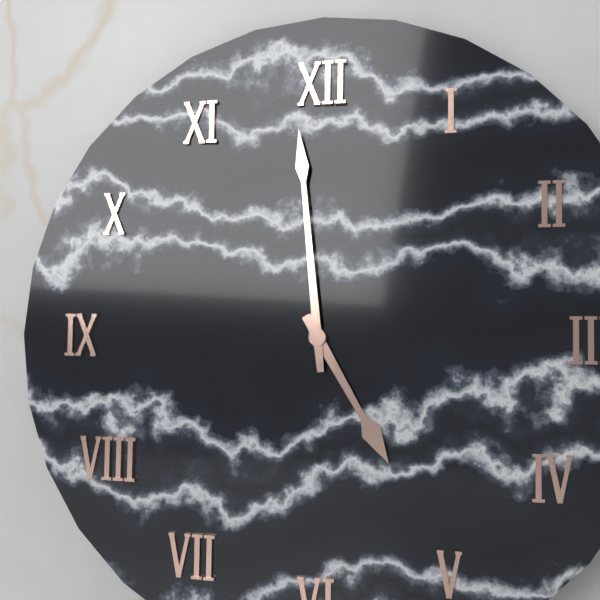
4:59
